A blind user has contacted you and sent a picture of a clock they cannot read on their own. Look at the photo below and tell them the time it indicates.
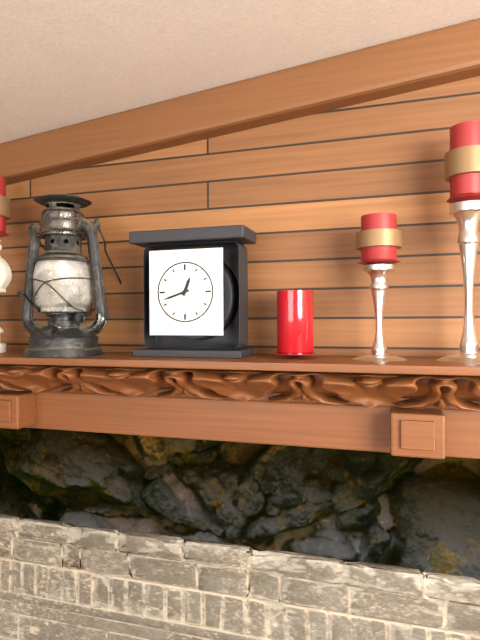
12:42
